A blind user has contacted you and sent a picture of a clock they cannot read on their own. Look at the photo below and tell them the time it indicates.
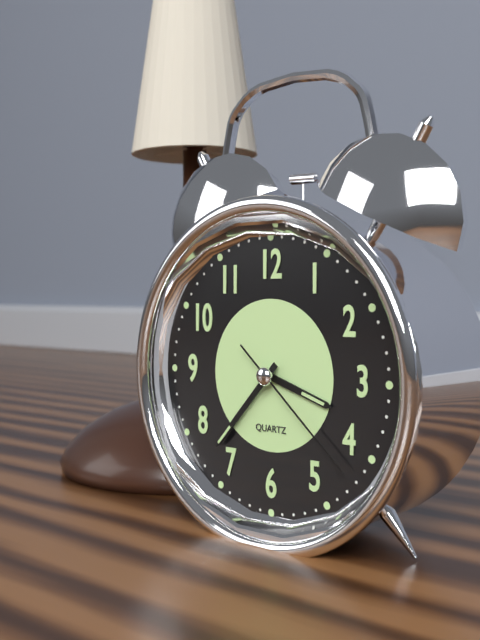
3:37:22
